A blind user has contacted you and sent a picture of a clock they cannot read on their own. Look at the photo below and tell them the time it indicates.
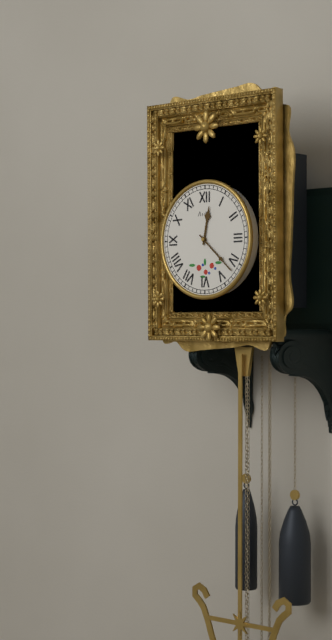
12:22
